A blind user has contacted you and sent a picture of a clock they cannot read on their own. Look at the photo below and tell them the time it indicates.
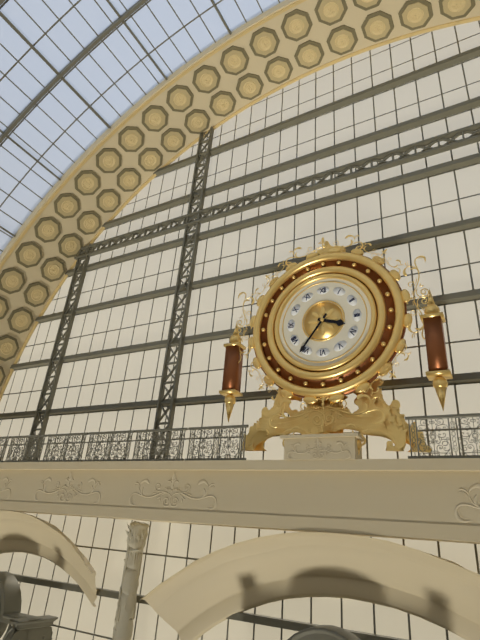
3:36
